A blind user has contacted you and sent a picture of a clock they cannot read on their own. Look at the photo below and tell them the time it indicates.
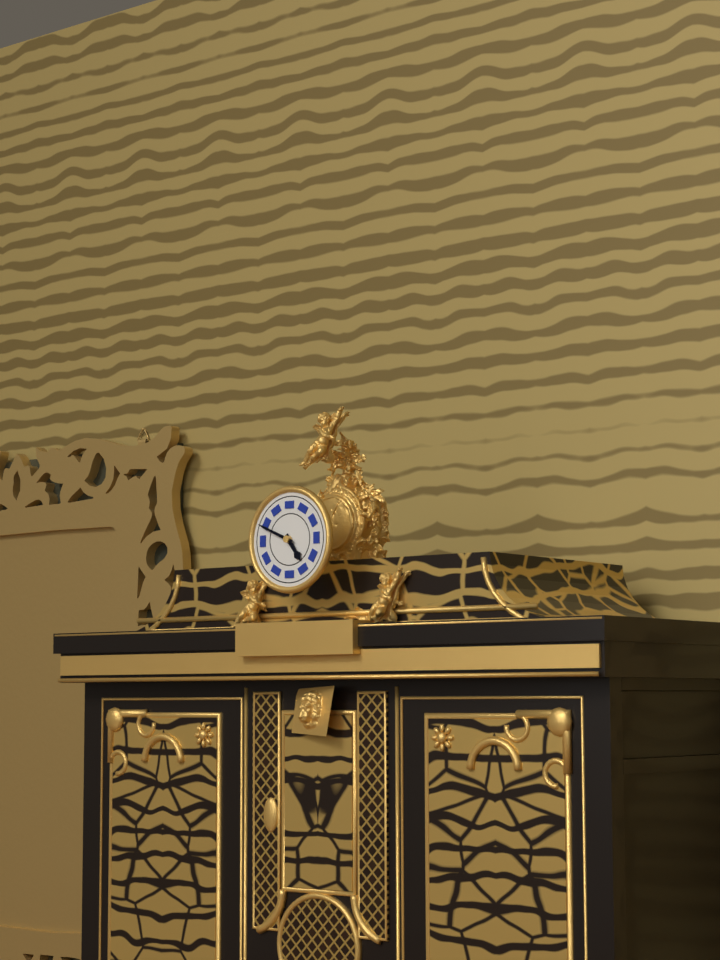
4:49
